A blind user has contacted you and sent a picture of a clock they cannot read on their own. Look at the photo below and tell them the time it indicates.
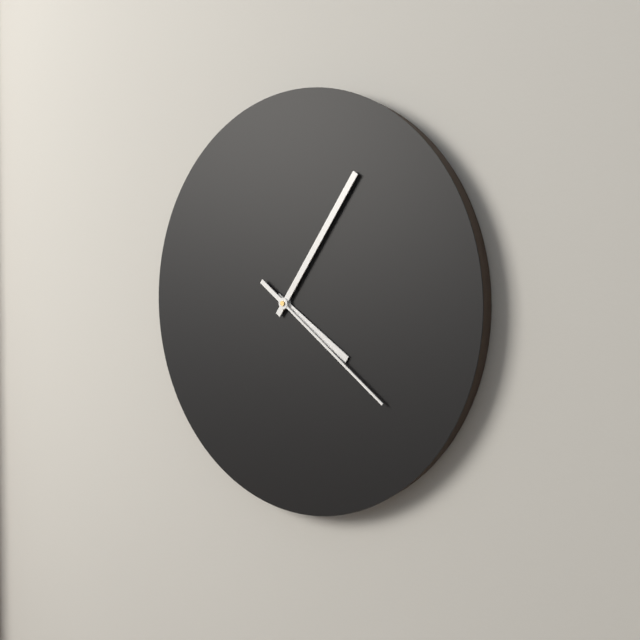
4:06:21
